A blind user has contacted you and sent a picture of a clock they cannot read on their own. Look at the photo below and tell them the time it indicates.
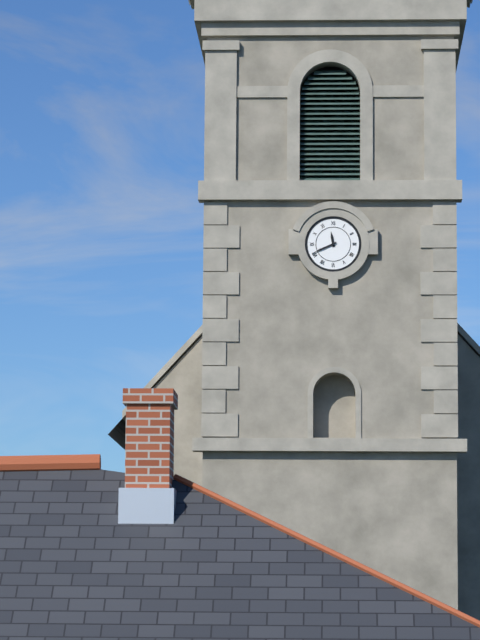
11:41
